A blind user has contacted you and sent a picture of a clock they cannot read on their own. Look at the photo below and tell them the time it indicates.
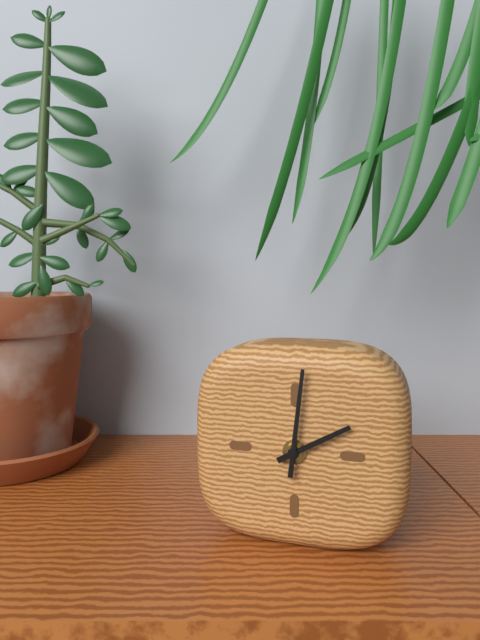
2:01
